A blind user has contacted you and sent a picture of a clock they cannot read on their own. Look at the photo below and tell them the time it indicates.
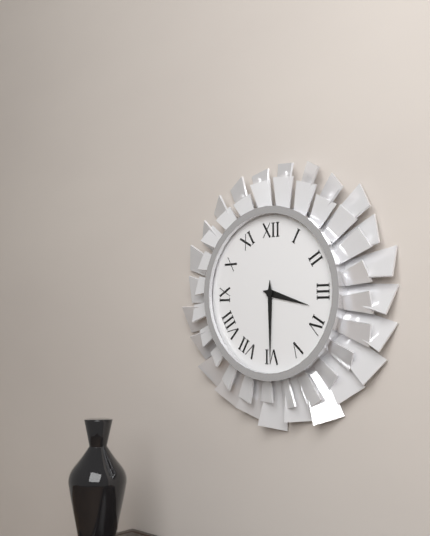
3:30
